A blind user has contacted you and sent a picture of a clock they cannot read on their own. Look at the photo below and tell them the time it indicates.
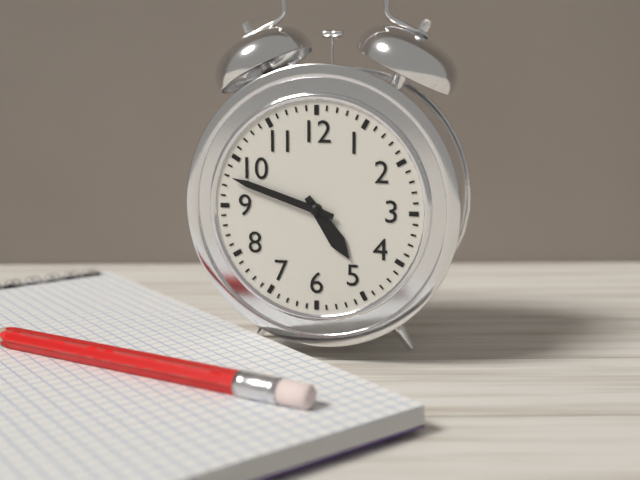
4:48
